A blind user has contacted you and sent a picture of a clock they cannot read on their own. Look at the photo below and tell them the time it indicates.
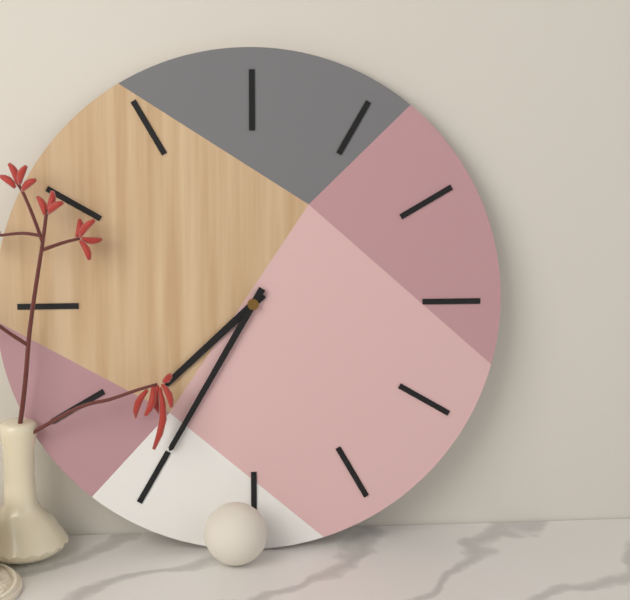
7:35
